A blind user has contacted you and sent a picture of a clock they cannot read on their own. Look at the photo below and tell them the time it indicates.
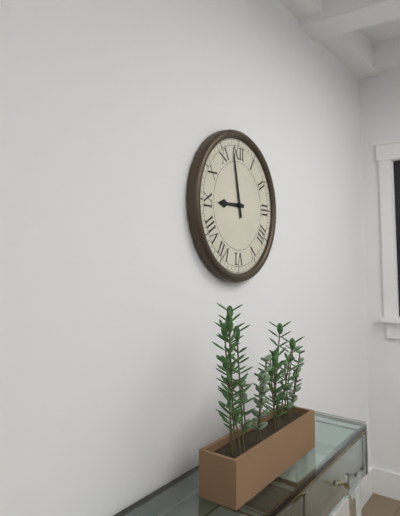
8:58
